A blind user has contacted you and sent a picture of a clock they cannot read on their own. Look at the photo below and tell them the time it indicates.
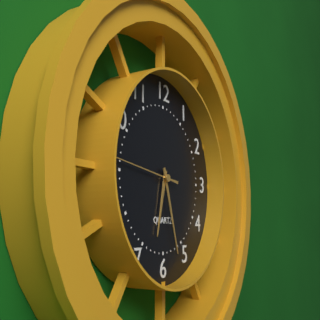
6:27:46
